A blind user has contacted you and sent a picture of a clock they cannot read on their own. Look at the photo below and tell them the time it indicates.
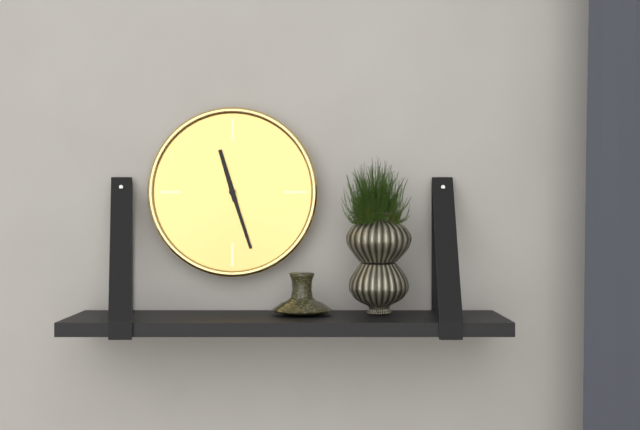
11:27
